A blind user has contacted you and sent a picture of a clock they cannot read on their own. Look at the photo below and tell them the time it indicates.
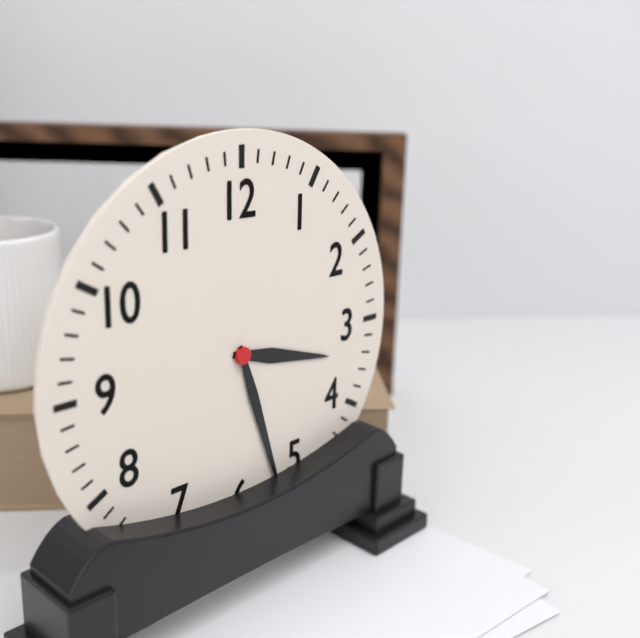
3:27
